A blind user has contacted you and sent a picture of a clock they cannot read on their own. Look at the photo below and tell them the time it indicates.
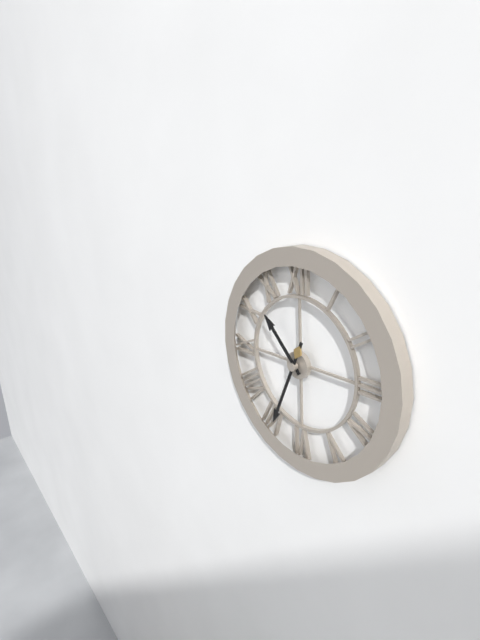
10:34
